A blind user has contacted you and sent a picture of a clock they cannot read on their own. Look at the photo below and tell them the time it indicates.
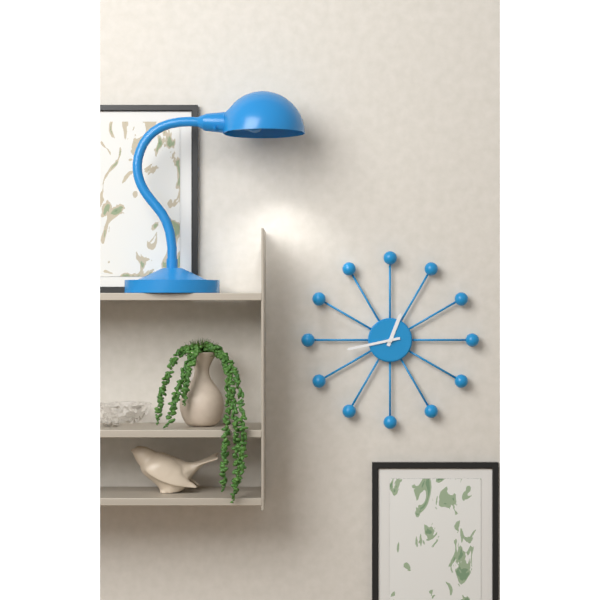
12:43
